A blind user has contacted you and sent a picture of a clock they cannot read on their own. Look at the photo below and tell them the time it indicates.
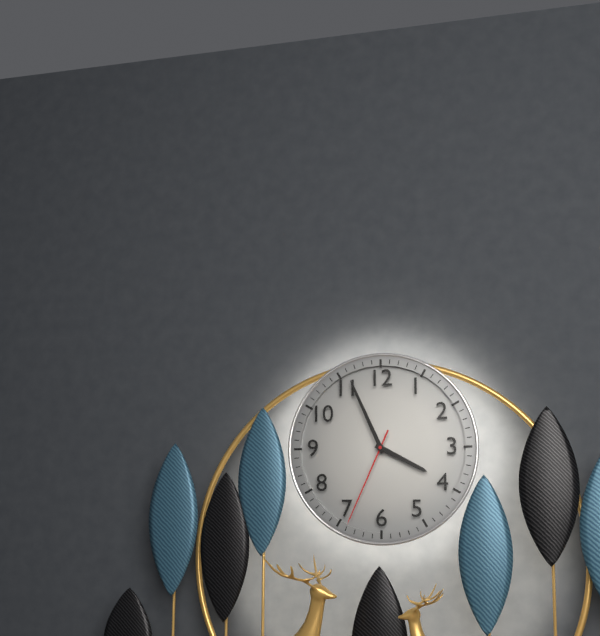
3:56:34
